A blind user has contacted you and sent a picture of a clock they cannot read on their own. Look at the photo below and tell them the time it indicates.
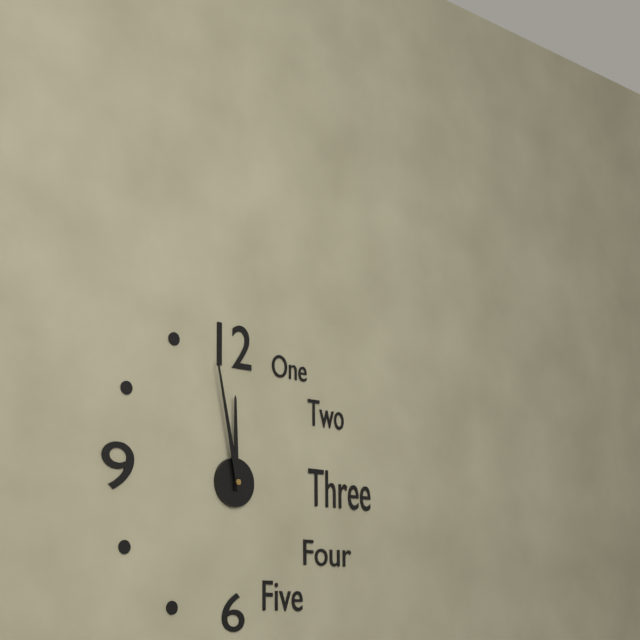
11:58
